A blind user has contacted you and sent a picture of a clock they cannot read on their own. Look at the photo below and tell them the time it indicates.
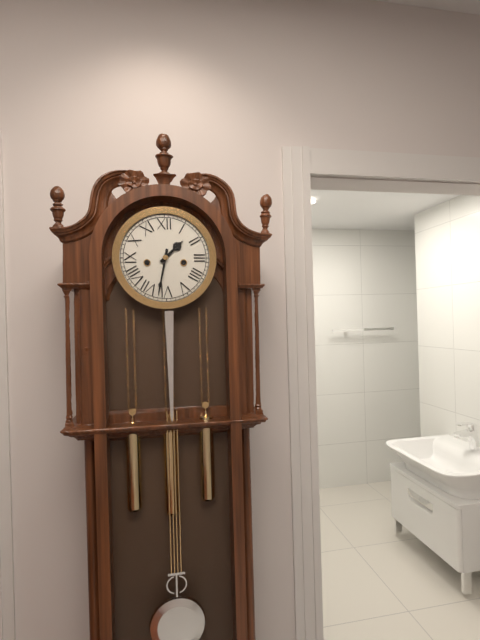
1:32
